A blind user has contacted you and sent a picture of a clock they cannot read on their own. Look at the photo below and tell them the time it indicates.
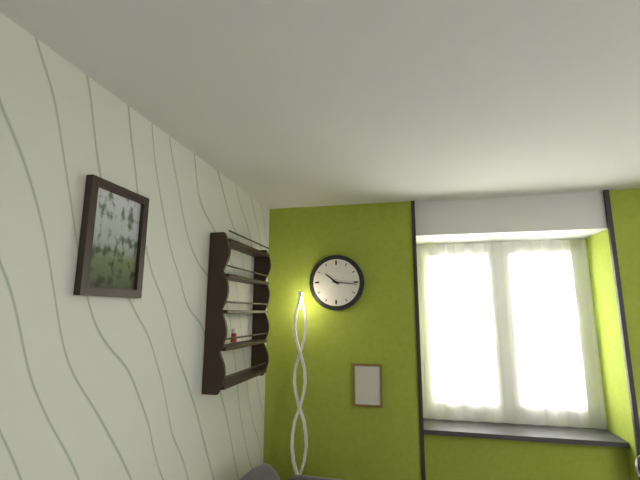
10:16
